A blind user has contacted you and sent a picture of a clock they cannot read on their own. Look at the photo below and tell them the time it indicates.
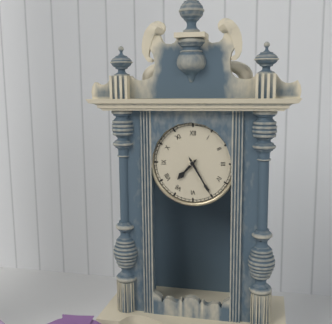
7:25
